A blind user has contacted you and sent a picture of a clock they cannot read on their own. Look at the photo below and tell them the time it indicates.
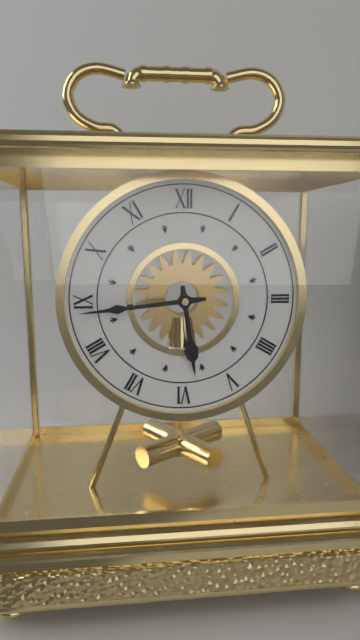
5:44
